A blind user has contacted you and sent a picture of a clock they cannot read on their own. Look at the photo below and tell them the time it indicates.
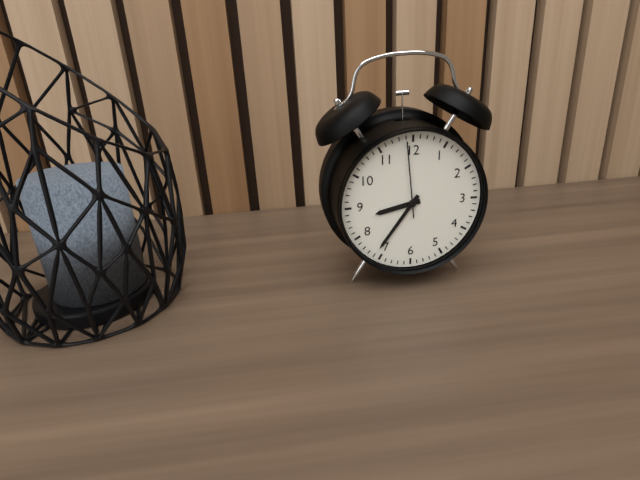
8:36:59
